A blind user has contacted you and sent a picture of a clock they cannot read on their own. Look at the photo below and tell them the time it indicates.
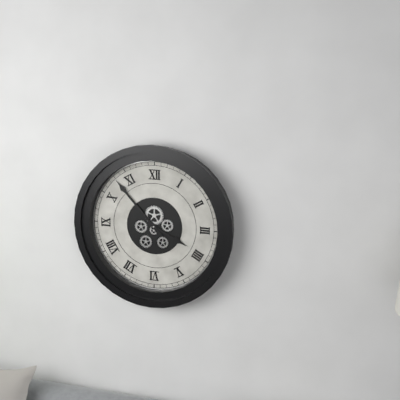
3:53
